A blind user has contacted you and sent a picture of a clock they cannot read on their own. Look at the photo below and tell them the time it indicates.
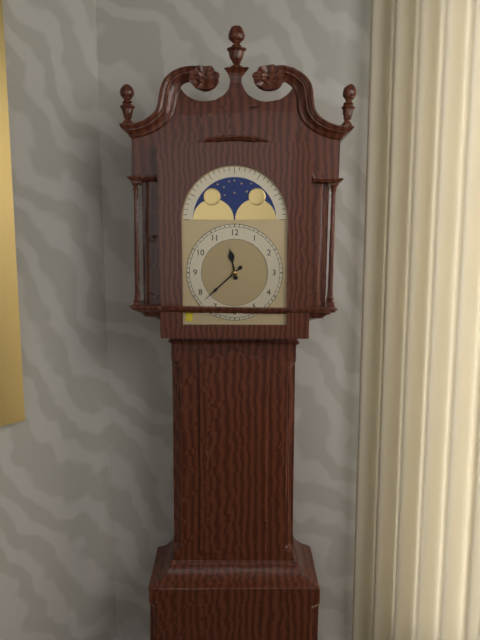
11:38
